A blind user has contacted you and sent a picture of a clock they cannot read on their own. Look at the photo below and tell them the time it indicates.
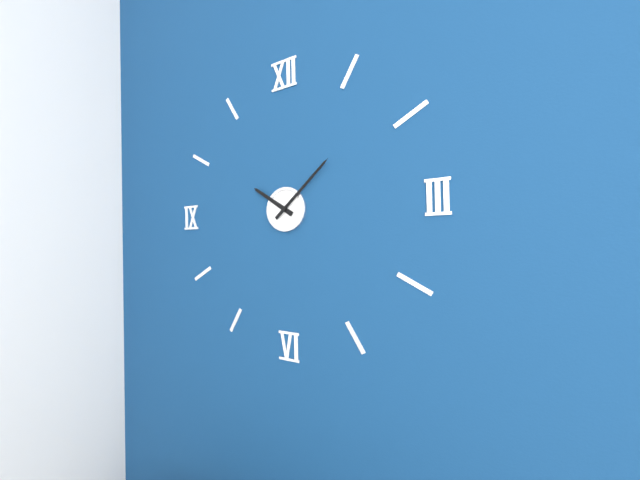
10:08
